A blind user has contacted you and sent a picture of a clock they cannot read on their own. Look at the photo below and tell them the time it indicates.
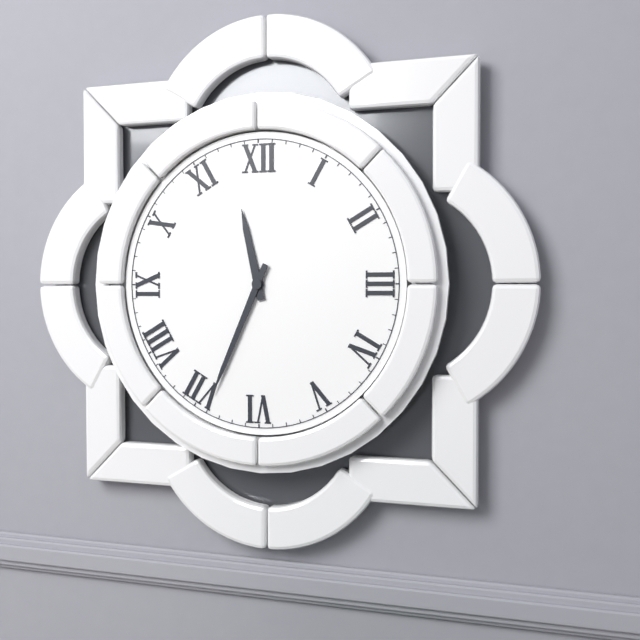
11:34
